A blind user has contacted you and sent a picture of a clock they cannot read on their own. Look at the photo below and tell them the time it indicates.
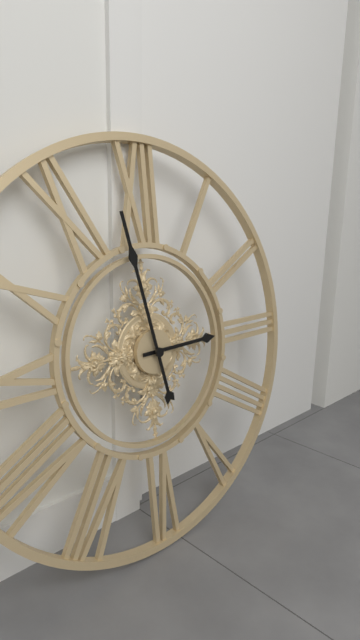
2:58
